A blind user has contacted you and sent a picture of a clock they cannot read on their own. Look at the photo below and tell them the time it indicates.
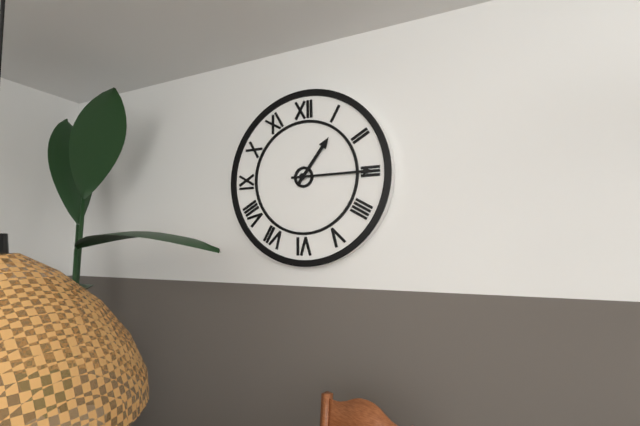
1:15
